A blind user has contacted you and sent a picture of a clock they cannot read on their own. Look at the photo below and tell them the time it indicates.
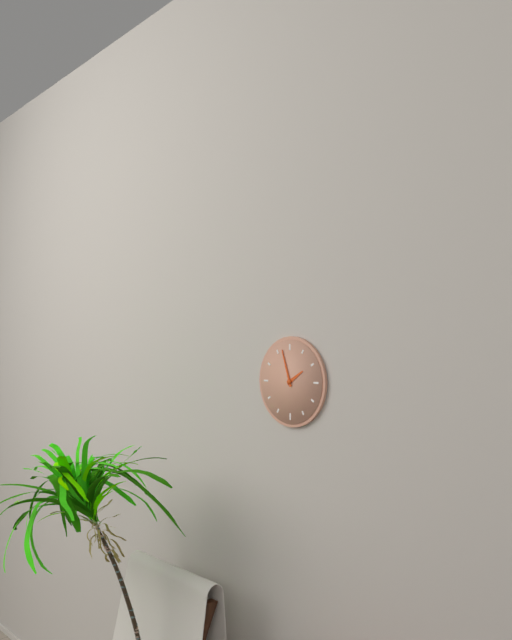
1:57
